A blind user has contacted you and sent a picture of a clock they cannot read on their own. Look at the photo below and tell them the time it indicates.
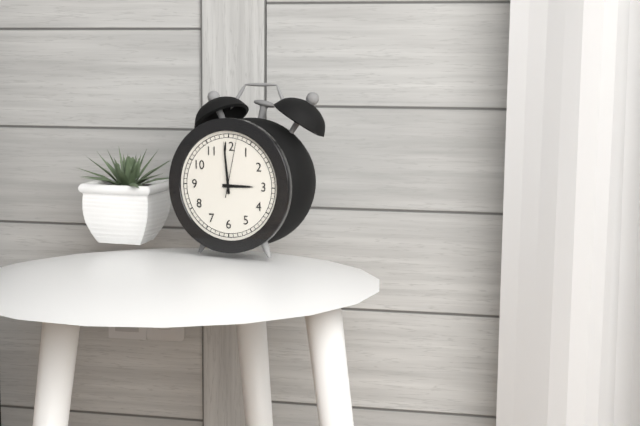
2:59:02
